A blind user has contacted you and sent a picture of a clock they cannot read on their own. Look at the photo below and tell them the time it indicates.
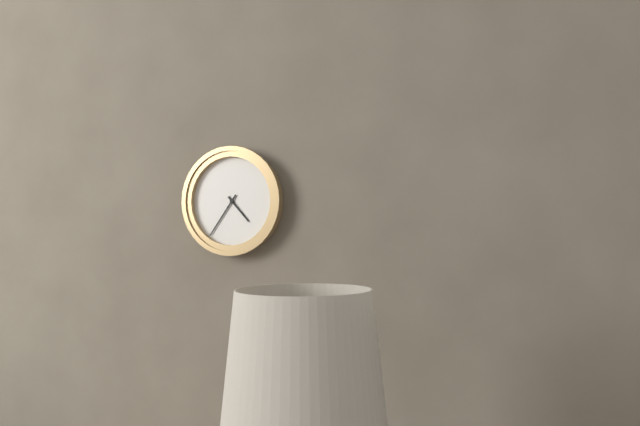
4:36
